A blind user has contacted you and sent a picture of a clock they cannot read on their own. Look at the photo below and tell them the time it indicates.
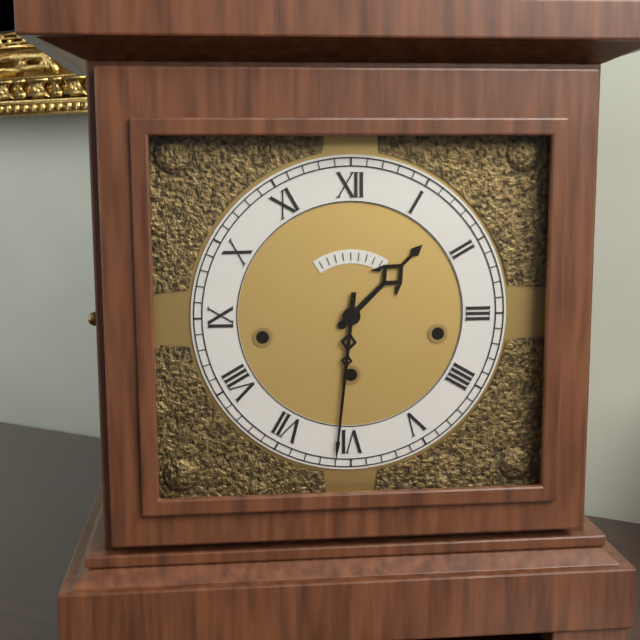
1:31
